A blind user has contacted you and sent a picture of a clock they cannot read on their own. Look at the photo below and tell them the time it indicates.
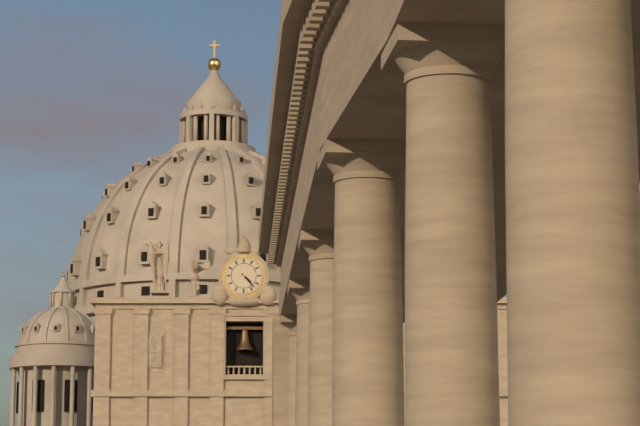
4:23
